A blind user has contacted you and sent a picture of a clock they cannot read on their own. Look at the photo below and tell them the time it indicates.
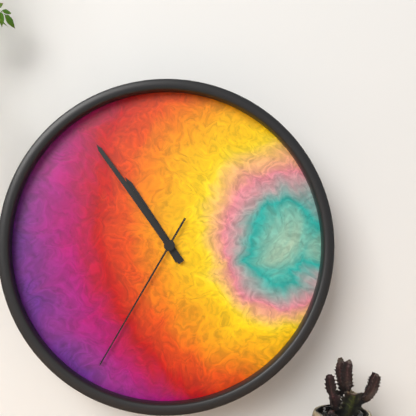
10:54:35
